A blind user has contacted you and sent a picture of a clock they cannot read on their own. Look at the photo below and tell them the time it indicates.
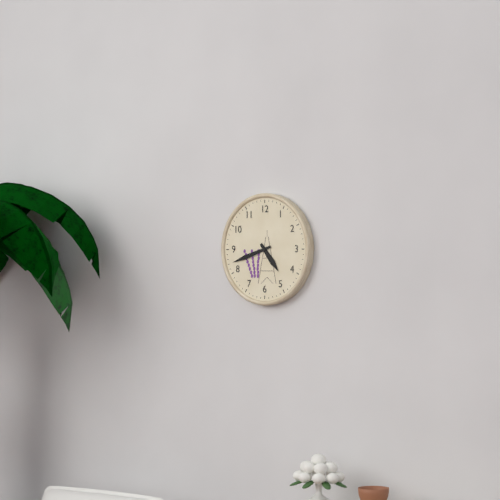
4:42
